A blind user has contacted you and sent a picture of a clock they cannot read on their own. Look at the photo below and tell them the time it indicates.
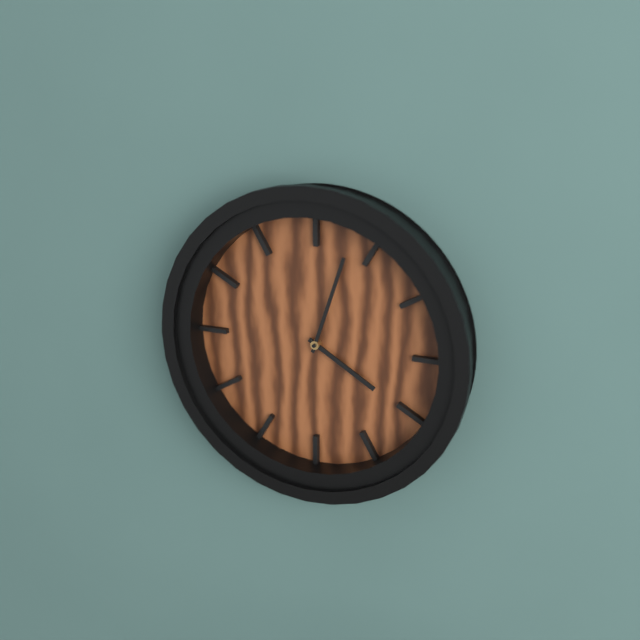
4:03
